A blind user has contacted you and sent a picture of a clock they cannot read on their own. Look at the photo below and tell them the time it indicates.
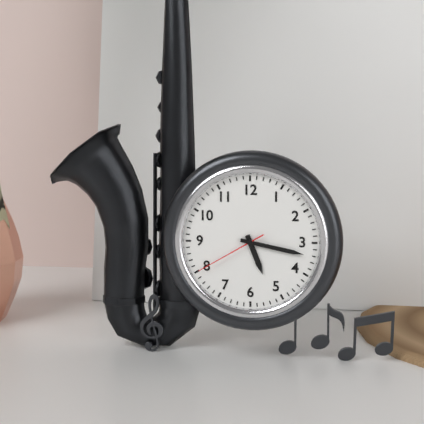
5:17:40
